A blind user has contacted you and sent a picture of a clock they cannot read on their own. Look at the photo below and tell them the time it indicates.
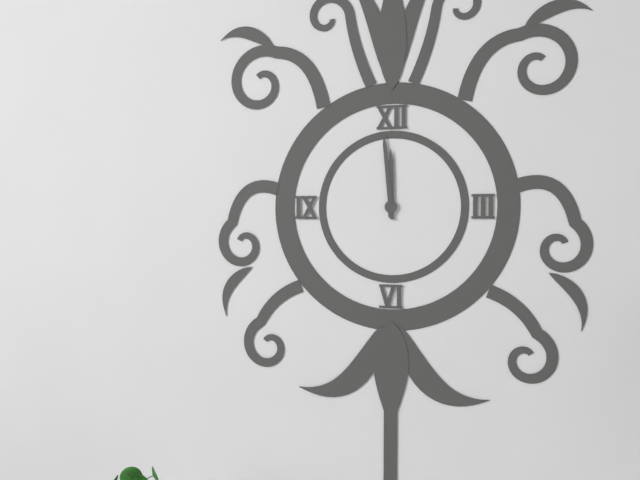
11:59
